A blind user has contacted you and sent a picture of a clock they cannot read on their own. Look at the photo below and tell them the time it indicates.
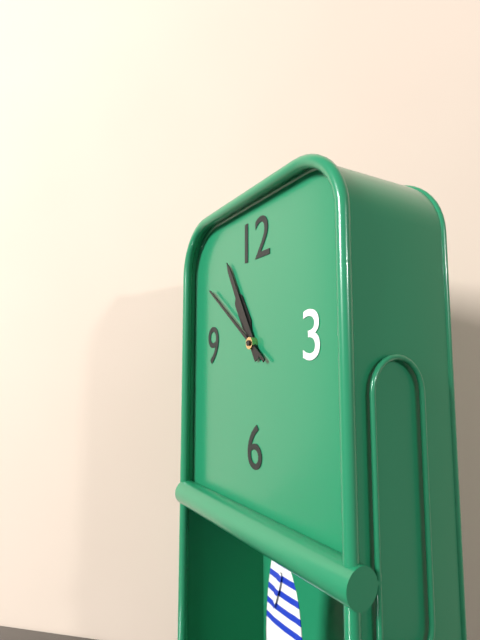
10:55:51
